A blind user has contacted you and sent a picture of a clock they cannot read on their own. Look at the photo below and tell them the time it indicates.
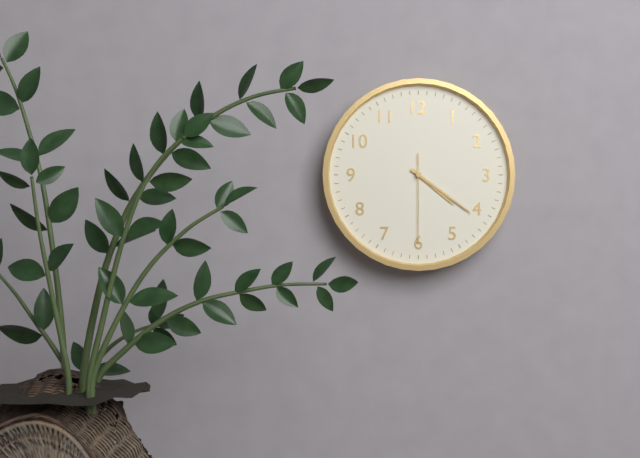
4:21:30
